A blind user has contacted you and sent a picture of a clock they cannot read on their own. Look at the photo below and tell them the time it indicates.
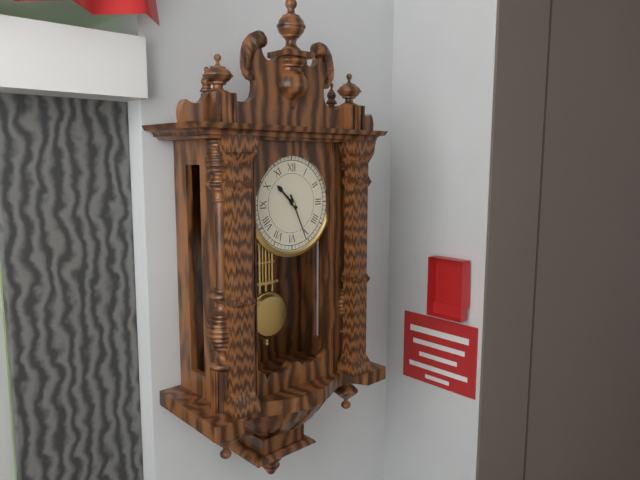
10:26
